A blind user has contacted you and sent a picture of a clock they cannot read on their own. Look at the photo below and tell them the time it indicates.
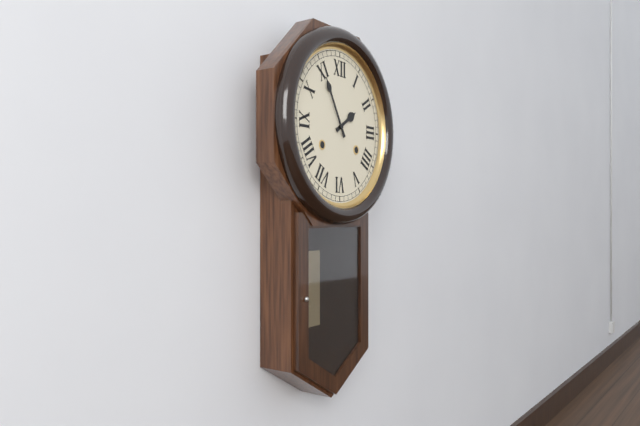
1:55
